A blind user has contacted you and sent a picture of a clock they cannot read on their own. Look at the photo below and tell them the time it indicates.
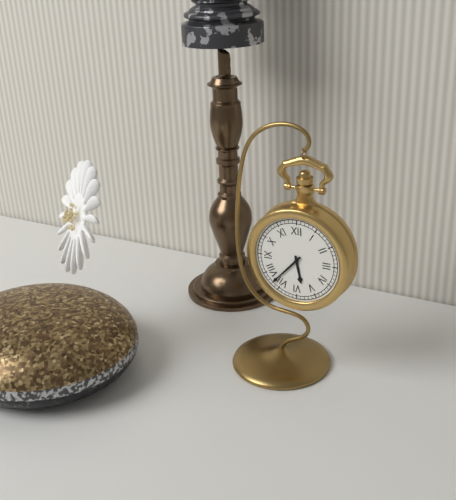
5:37
